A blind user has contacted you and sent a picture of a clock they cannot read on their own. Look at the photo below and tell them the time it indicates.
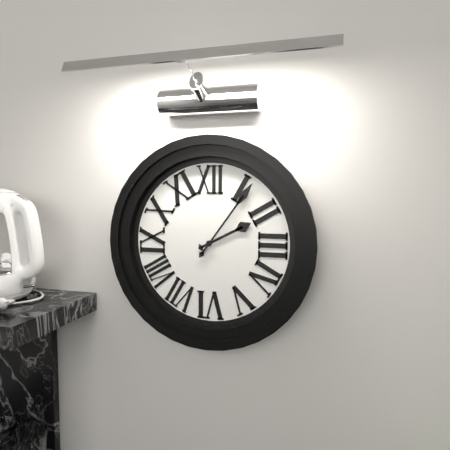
2:06
